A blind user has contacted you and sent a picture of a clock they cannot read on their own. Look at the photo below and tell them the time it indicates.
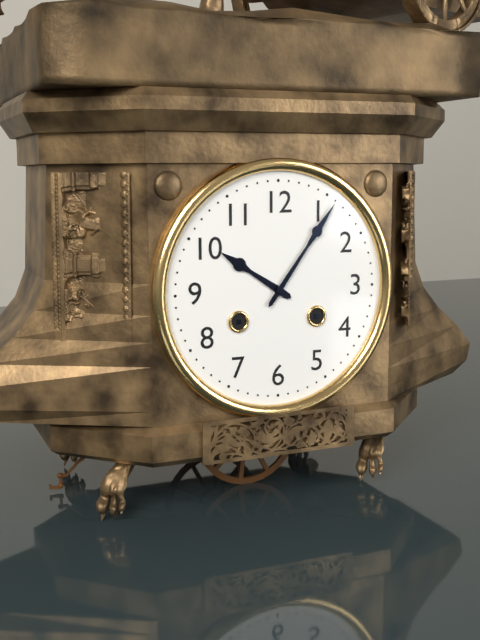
10:06
